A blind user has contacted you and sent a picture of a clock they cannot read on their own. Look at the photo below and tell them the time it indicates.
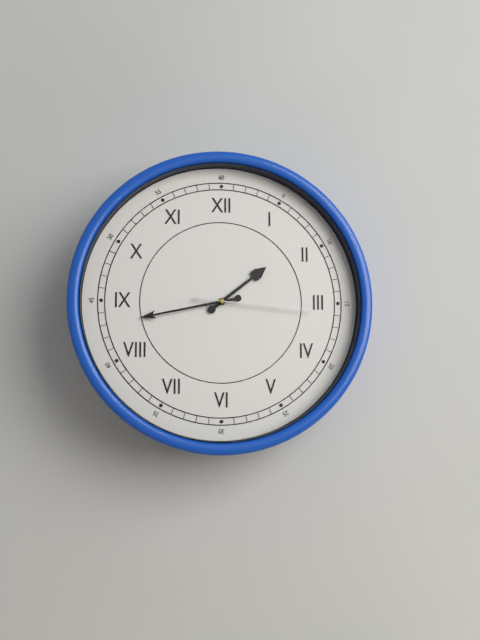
1:43:16
